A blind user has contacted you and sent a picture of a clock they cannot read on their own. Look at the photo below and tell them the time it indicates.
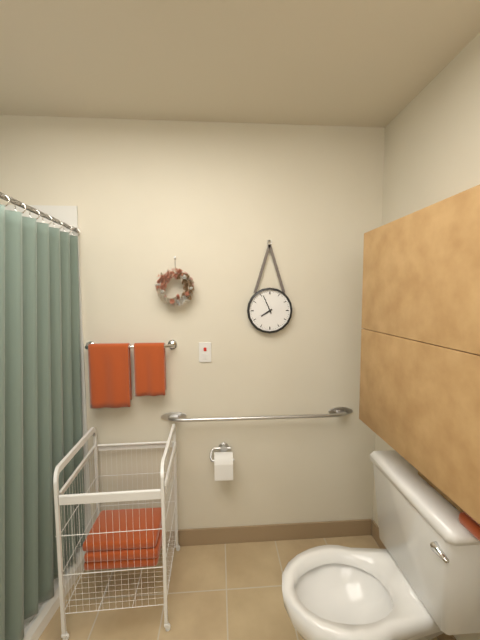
7:56
